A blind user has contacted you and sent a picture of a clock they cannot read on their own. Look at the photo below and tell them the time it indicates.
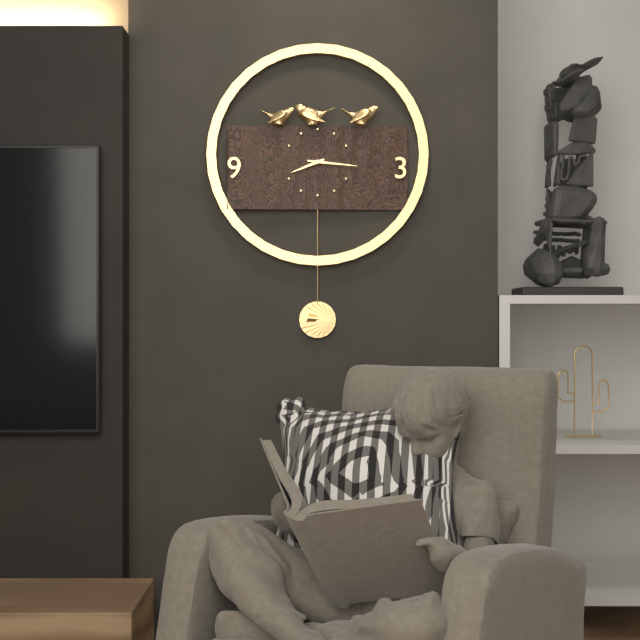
8:16
